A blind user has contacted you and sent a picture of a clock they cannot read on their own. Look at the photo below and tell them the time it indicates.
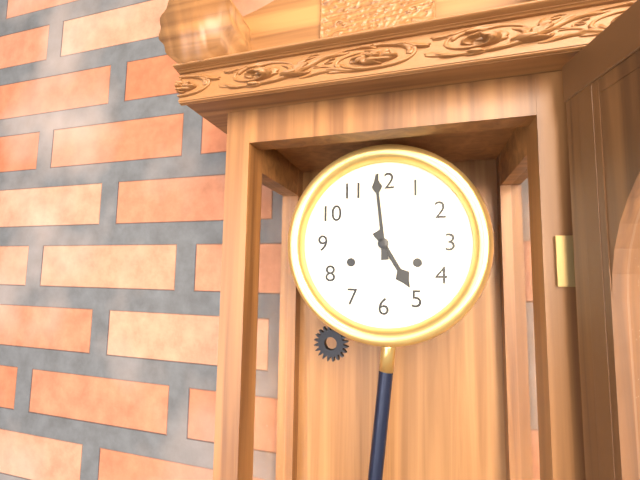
4:59
